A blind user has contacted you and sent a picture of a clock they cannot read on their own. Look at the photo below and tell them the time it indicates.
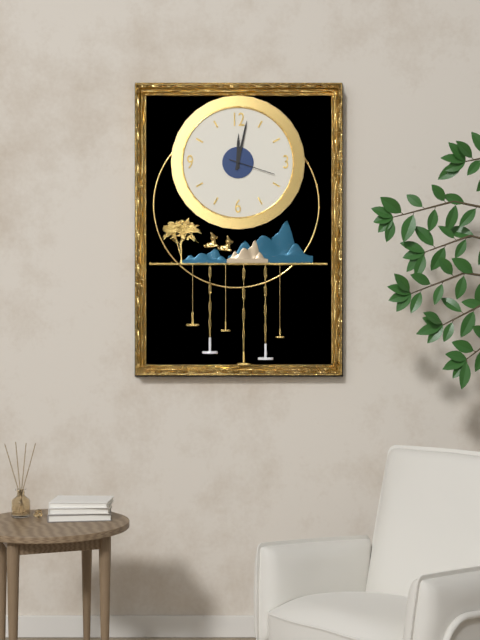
12:02
